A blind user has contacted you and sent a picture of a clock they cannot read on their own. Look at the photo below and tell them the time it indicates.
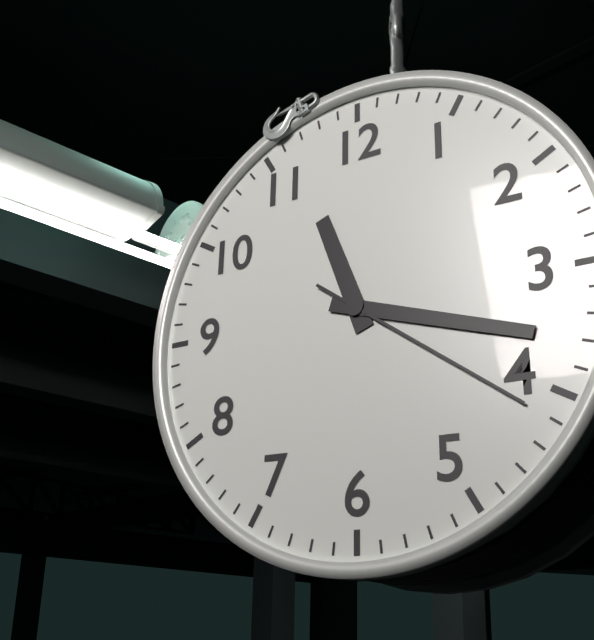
11:18:21
